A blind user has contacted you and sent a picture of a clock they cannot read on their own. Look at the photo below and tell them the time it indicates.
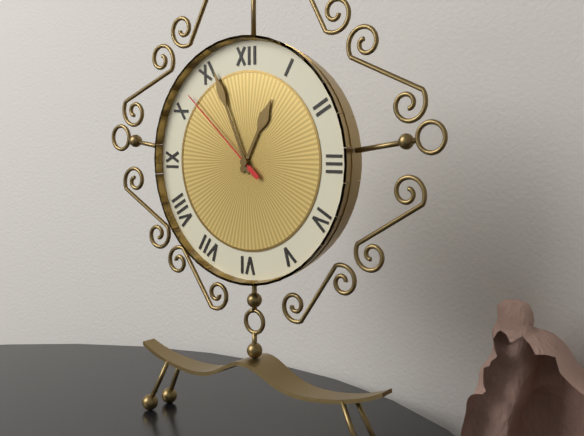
12:56:52
